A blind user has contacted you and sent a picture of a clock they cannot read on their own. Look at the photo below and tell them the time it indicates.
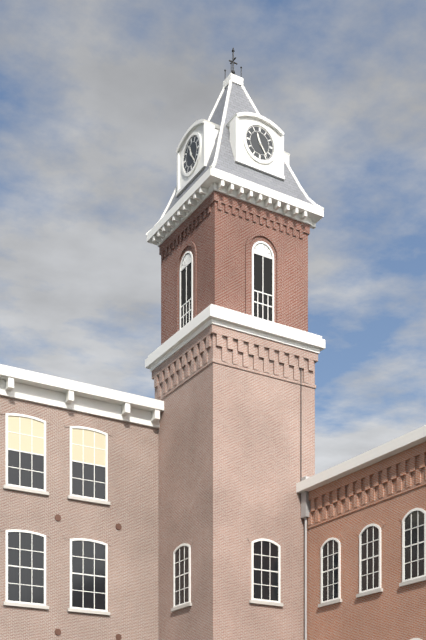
11:24
